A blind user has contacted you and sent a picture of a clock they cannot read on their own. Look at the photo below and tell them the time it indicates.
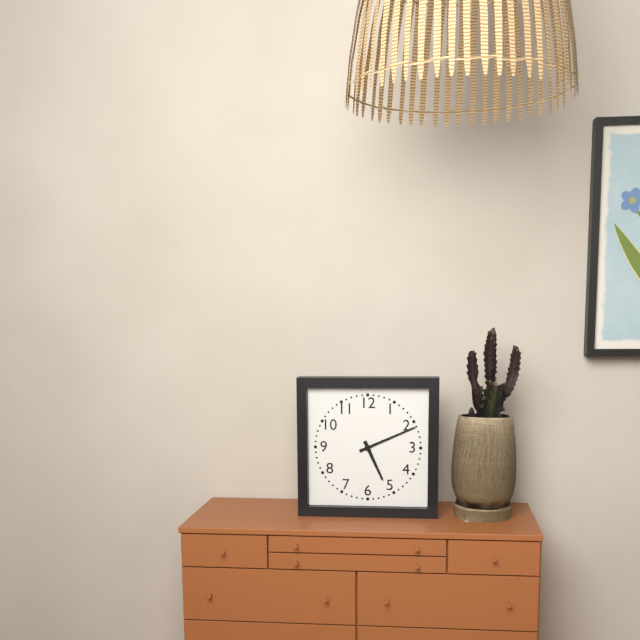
5:11
